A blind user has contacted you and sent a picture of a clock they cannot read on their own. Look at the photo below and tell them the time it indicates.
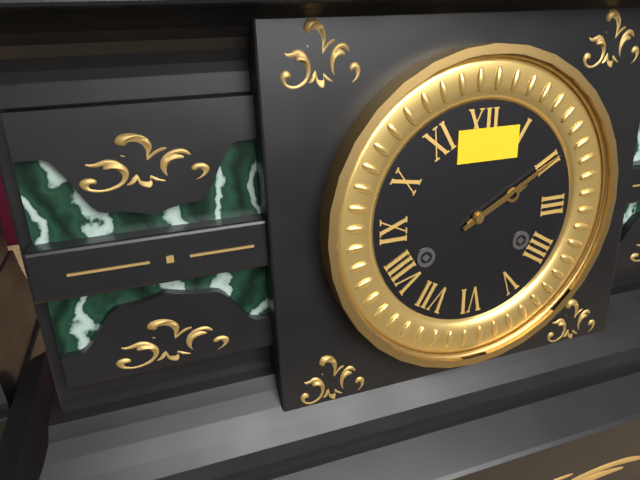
2:10
